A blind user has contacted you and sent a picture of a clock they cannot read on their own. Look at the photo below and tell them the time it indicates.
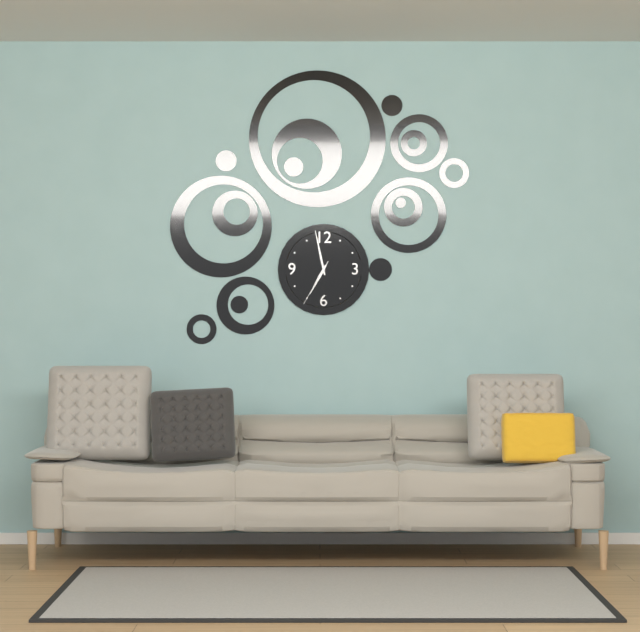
6:58
